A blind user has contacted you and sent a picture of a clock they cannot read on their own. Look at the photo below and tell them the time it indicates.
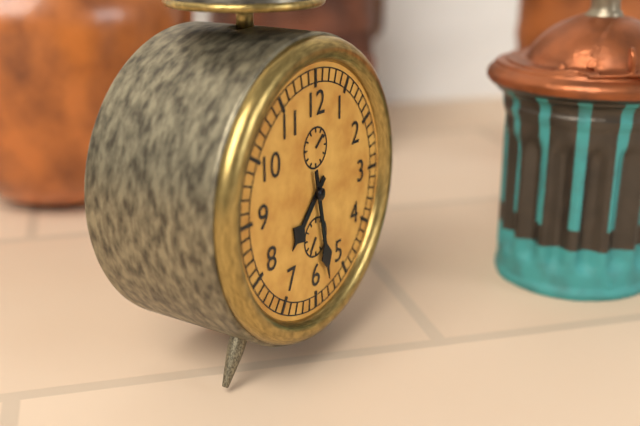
7:28
